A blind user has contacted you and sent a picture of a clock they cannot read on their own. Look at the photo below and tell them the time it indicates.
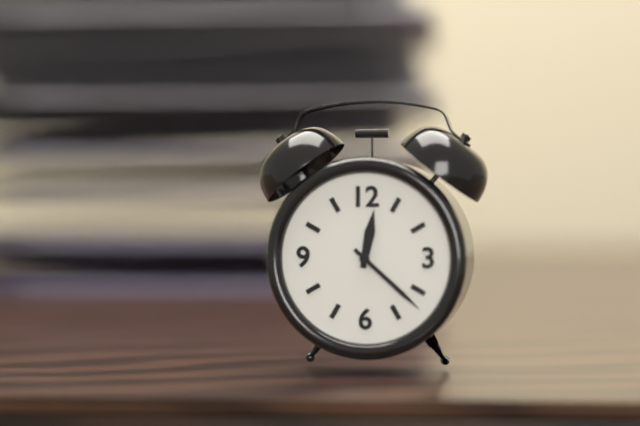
12:22
